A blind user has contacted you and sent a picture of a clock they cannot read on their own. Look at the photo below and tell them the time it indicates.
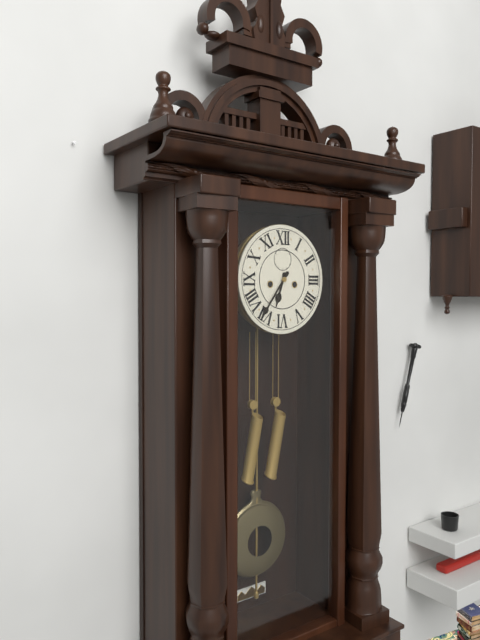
6:36
